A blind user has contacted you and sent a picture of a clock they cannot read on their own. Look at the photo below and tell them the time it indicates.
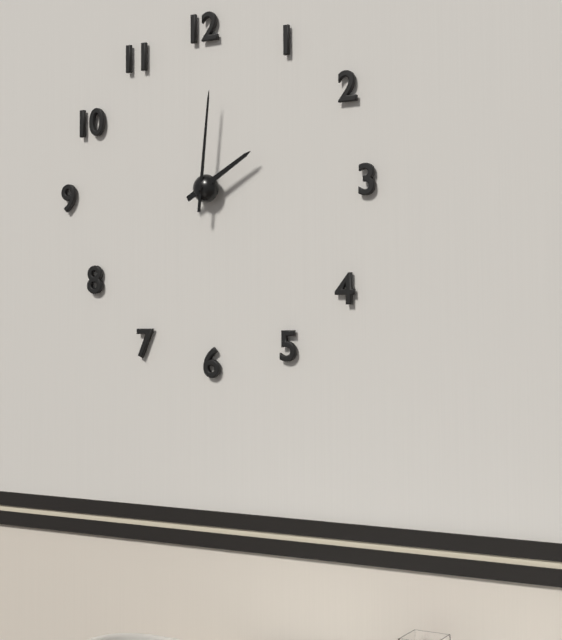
2:01
